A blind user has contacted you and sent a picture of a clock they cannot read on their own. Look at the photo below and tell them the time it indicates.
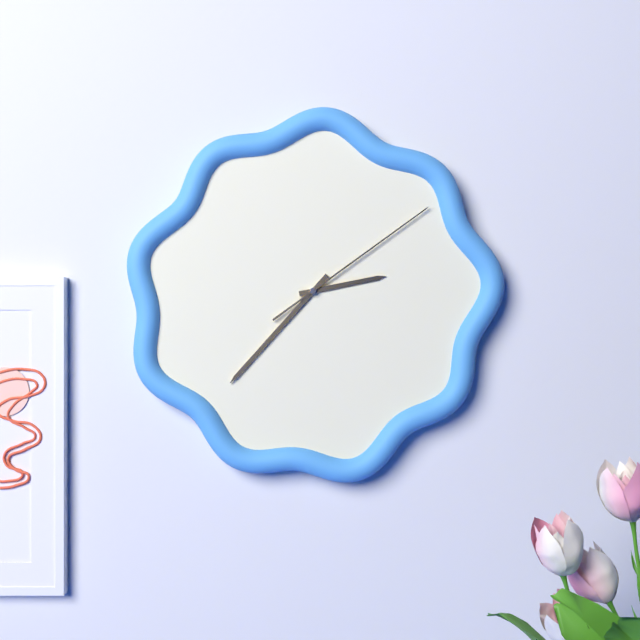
2:37:09
